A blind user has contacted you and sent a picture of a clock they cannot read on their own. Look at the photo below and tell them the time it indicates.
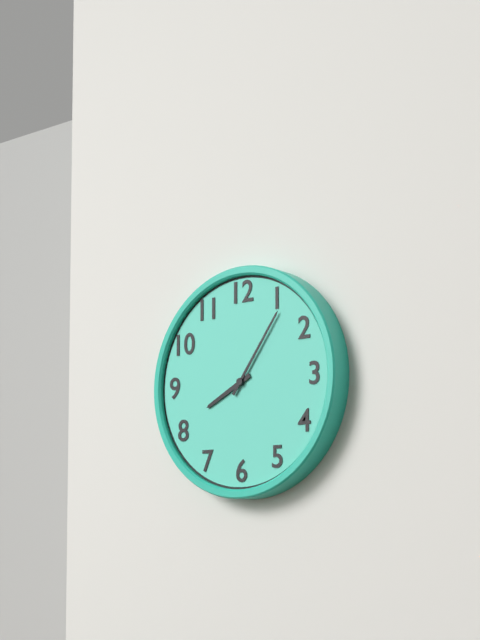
8:06
